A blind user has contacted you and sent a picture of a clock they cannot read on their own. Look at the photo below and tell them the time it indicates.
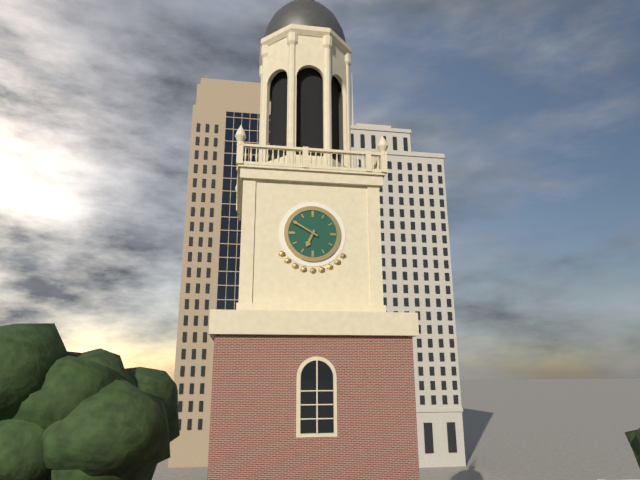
6:50
